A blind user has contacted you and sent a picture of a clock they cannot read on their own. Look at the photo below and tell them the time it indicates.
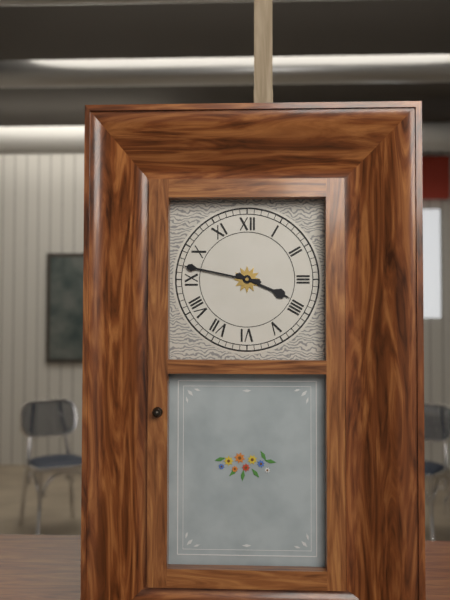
3:47
